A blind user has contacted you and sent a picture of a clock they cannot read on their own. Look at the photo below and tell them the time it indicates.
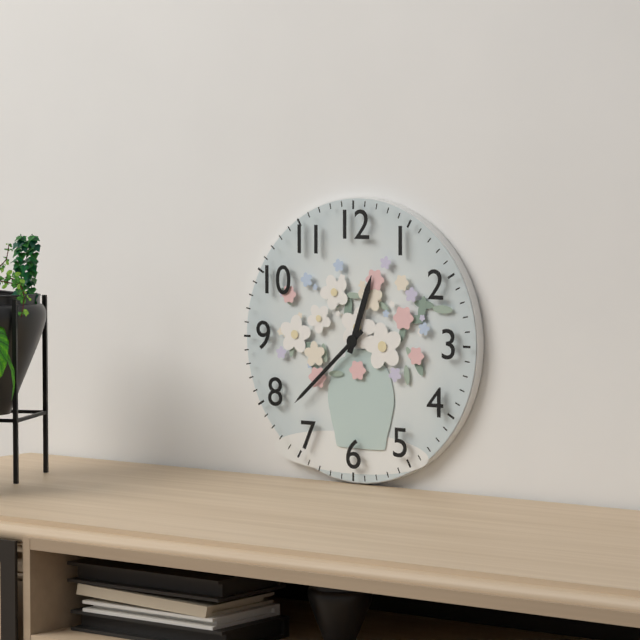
12:38
